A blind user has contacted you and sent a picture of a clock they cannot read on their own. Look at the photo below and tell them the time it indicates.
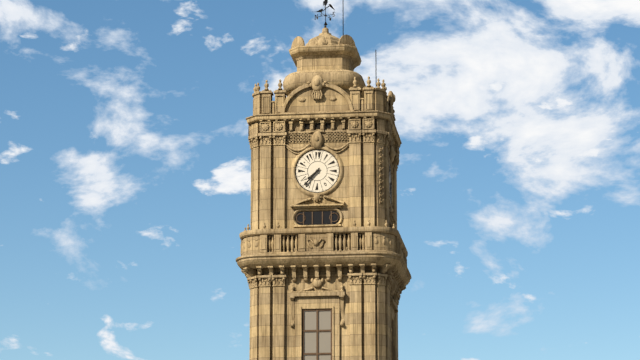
7:37
